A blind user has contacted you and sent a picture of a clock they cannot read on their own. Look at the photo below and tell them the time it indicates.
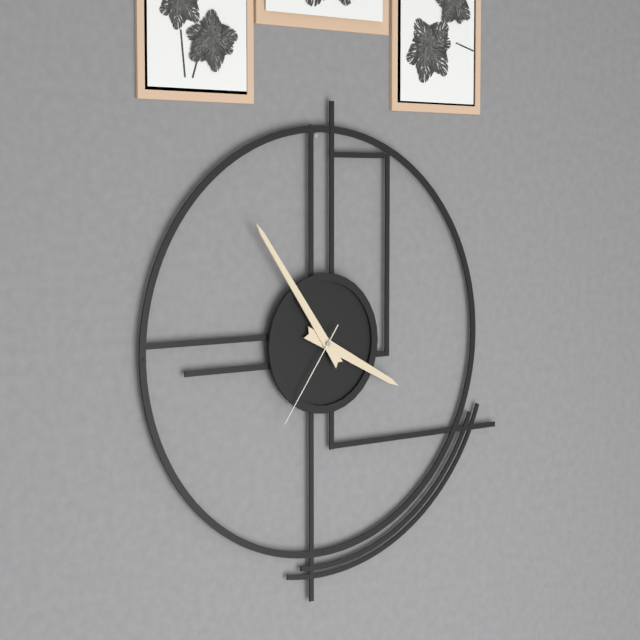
3:54:36
